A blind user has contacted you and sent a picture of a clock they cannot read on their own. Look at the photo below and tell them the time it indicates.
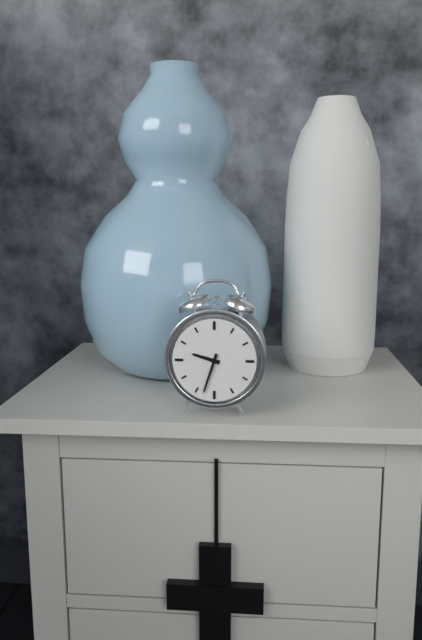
9:33
